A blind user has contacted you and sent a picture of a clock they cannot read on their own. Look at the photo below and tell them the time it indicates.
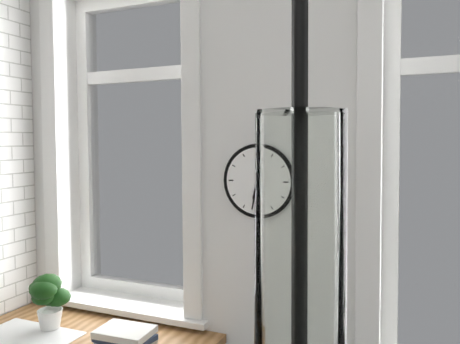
6:32
